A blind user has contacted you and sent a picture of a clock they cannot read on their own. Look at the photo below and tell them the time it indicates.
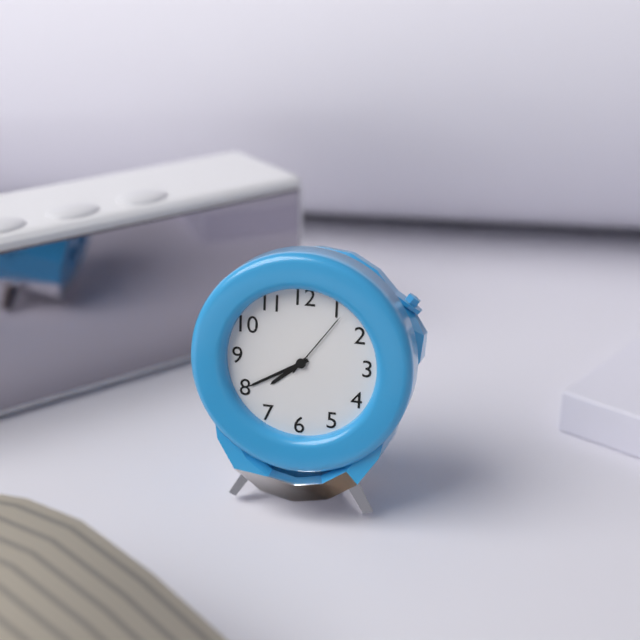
7:40:06
